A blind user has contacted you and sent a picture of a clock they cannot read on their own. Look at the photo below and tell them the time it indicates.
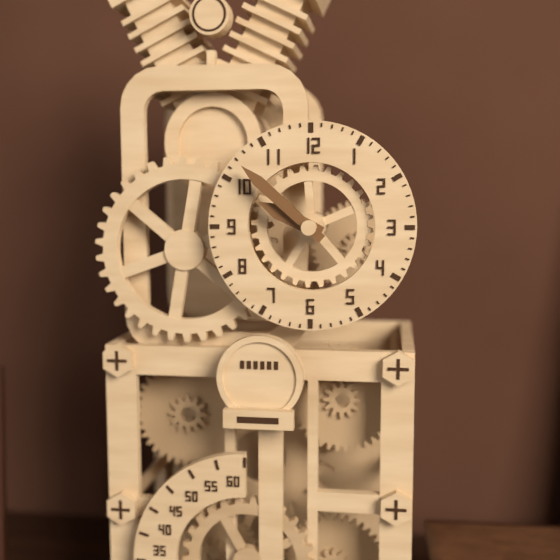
9:52
